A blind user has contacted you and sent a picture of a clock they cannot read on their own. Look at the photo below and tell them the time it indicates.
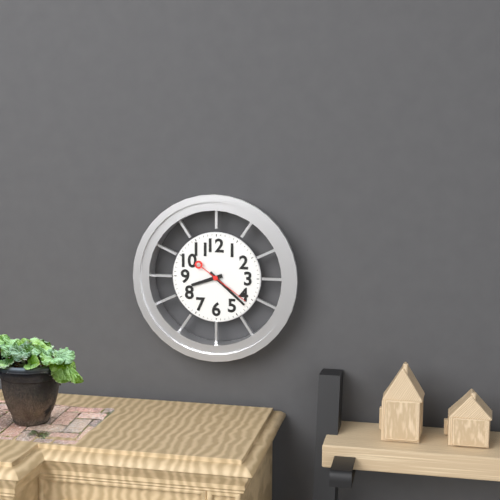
8:22
